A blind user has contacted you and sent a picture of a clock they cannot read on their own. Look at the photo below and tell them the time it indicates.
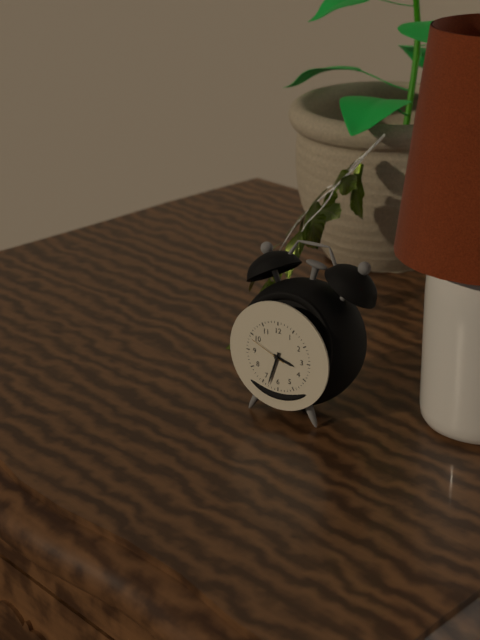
3:33
